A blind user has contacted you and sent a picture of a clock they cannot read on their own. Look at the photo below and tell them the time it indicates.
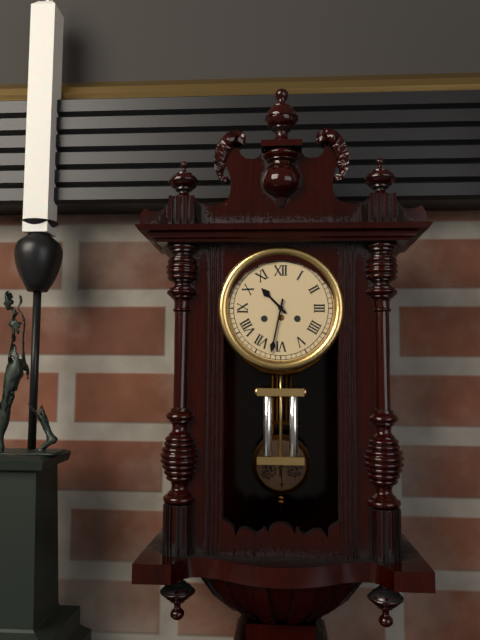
10:32
